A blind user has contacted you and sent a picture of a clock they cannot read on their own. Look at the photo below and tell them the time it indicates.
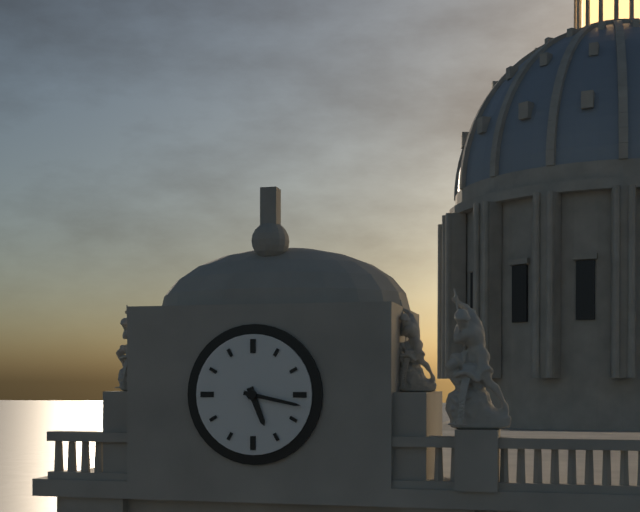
5:17
